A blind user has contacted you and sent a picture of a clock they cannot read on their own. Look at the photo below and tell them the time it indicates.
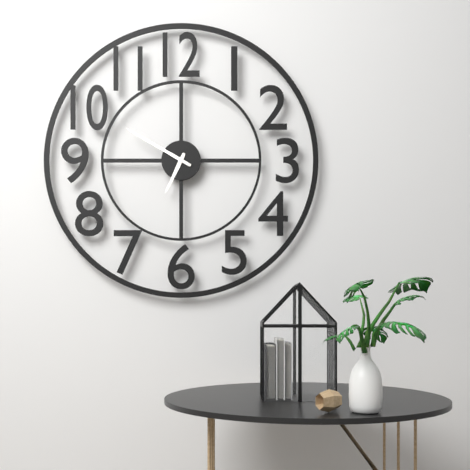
6:50
